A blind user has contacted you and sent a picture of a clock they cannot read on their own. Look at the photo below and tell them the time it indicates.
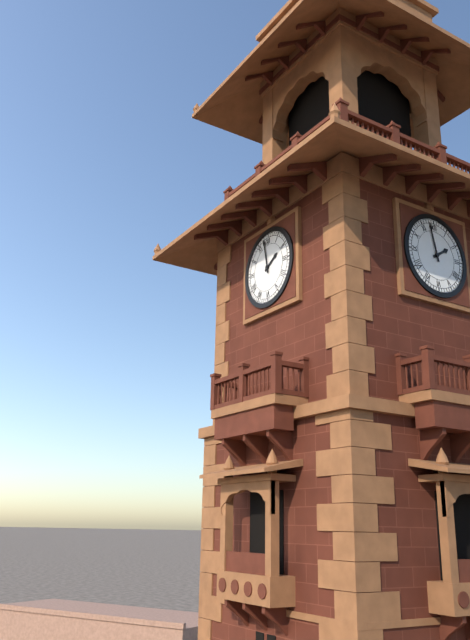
1:58
